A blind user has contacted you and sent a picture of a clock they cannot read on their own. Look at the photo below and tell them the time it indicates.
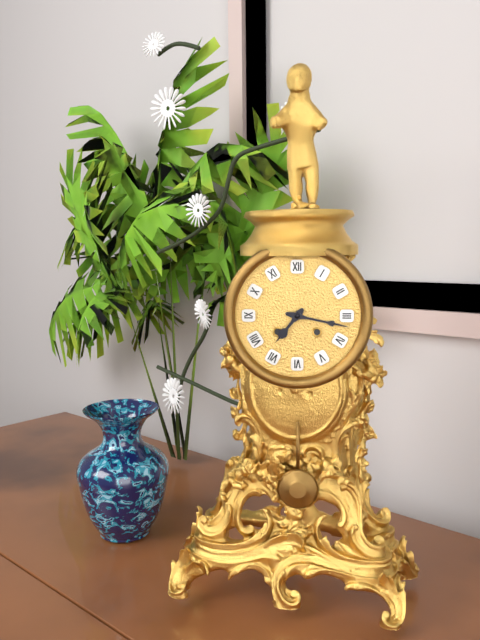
7:17
